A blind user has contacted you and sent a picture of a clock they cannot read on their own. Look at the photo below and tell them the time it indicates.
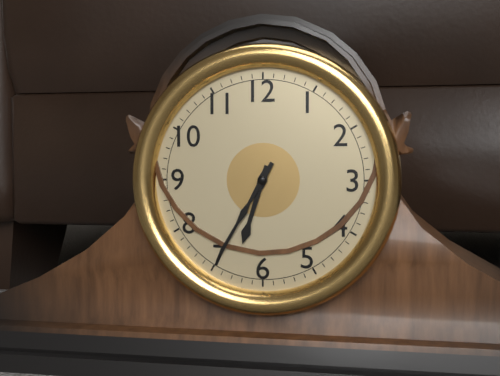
6:35
